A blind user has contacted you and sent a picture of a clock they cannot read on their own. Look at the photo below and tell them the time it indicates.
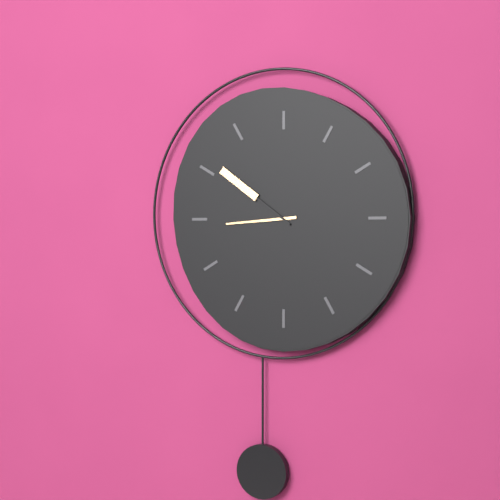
8:51
